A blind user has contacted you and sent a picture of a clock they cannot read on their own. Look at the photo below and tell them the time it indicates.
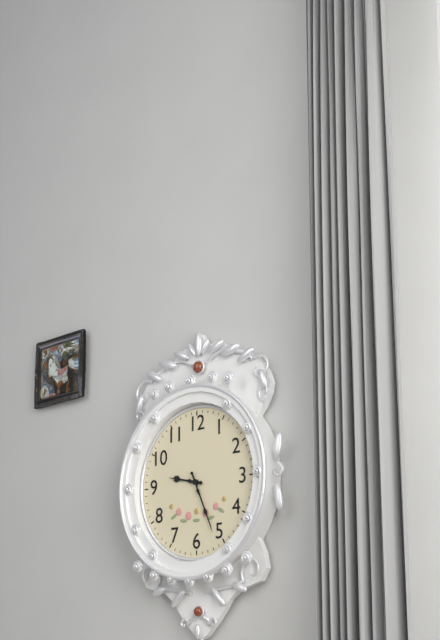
9:26
